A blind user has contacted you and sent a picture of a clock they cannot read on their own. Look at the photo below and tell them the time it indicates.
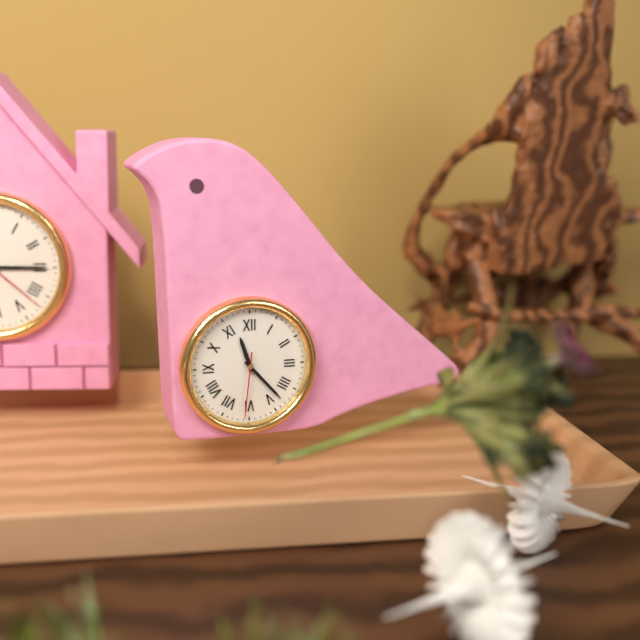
11:23:31
